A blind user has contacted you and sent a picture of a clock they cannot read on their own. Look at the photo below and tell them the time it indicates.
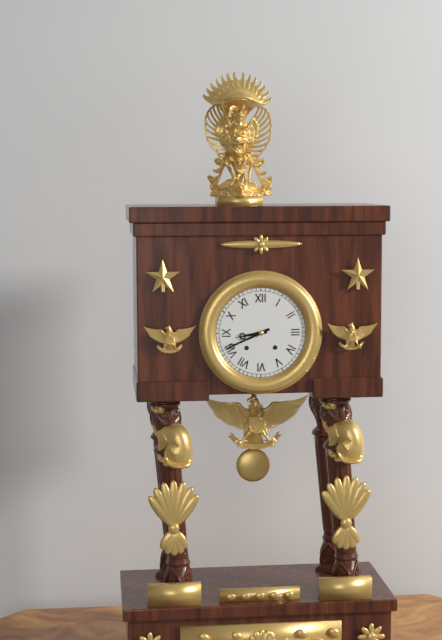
8:41
